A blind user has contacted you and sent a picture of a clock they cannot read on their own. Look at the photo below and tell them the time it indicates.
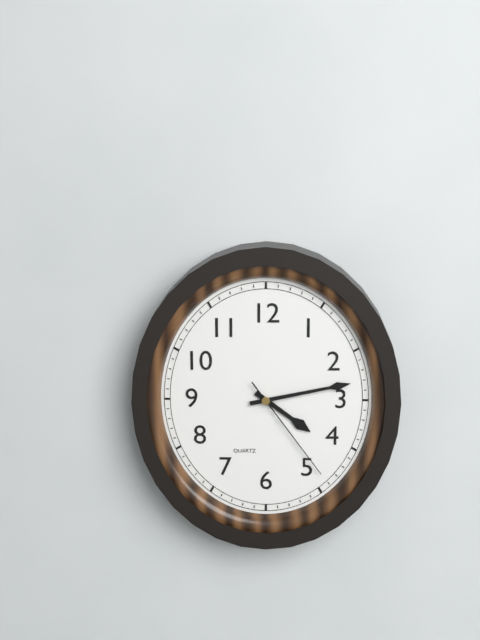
4:13:24
